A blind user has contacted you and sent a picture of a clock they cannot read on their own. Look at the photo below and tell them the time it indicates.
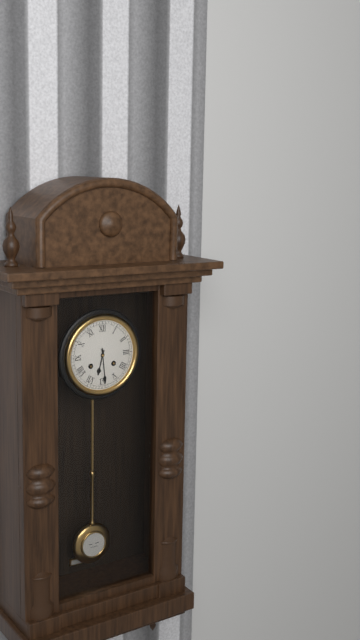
6:29
